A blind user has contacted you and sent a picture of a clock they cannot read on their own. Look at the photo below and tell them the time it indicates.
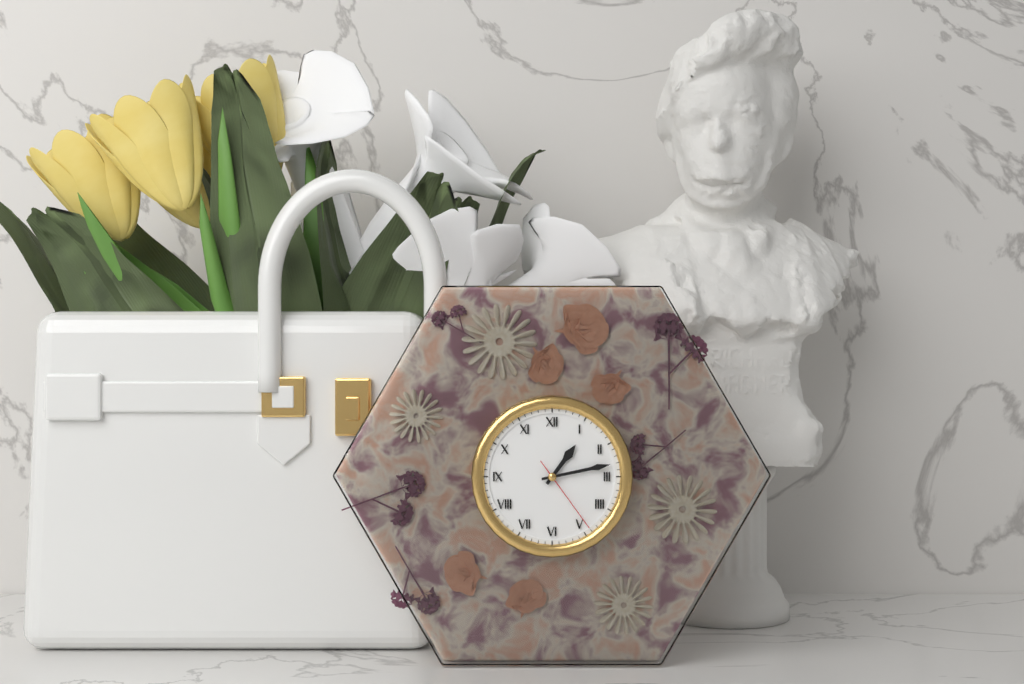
1:13:24
